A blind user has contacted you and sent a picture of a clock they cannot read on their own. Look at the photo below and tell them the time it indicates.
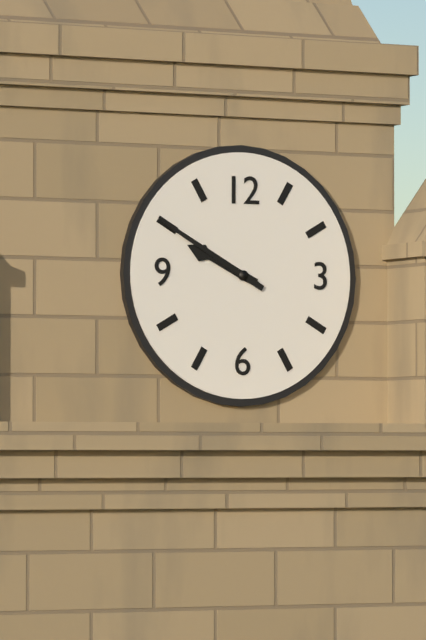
9:50
